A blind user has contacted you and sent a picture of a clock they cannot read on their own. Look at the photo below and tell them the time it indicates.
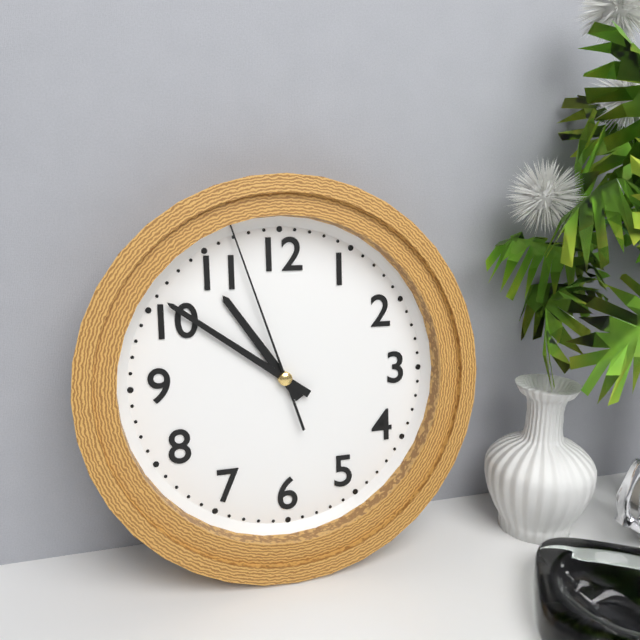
10:51:57
